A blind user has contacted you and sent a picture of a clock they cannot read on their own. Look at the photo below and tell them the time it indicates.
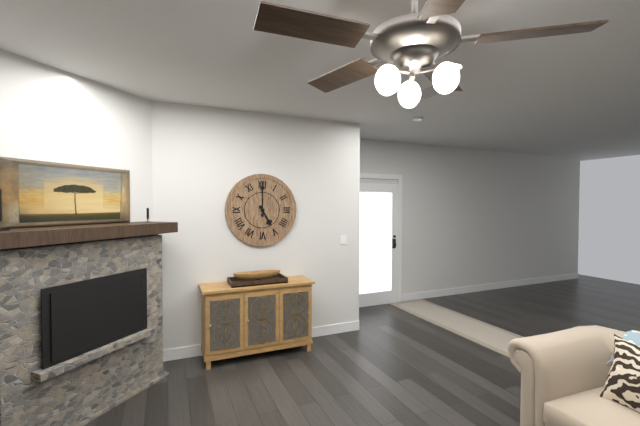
5:00
